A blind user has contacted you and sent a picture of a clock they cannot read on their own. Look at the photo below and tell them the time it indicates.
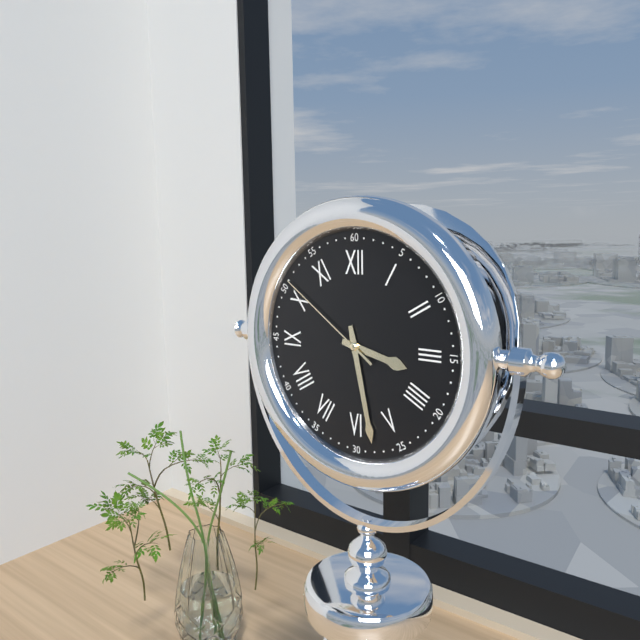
3:28:51
